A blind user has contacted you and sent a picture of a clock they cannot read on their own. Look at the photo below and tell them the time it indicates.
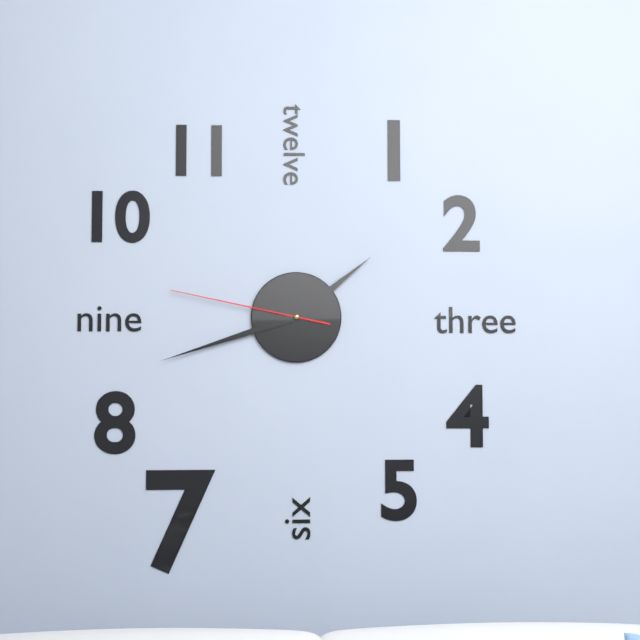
1:42:47
